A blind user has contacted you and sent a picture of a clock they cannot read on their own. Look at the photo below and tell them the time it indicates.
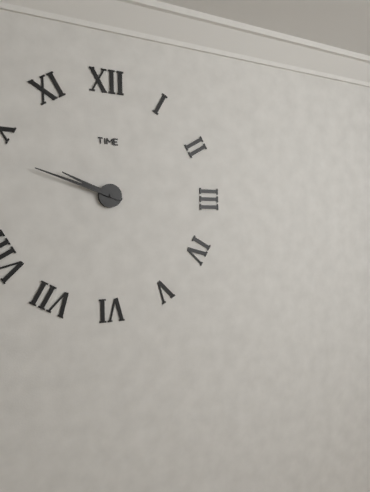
9:48
